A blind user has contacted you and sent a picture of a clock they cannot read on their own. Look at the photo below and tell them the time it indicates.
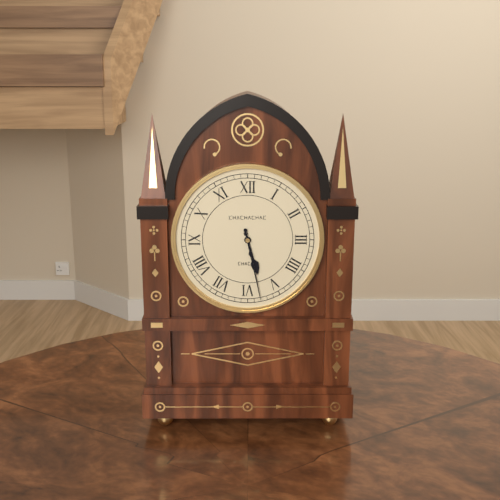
5:28
